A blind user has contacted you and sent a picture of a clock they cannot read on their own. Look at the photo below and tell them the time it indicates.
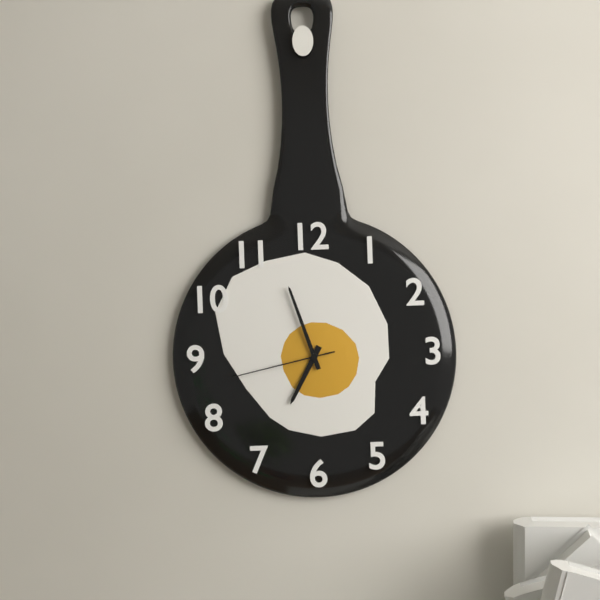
6:57:43
